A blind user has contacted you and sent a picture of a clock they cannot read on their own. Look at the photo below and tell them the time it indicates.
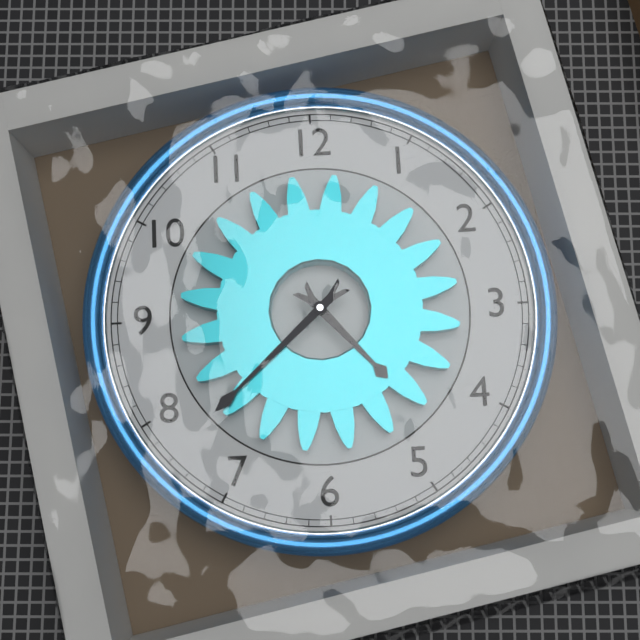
4:38
